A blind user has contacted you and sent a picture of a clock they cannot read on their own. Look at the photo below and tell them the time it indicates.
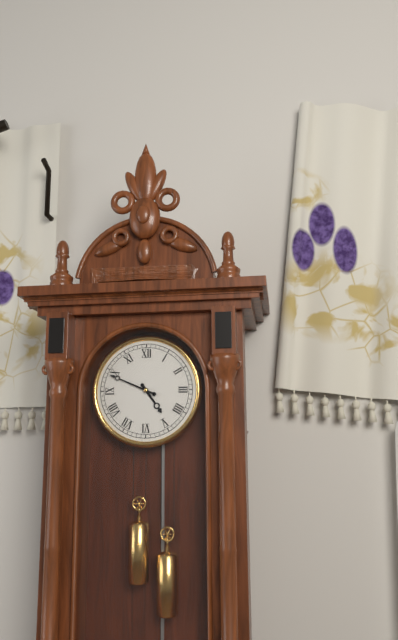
4:49
